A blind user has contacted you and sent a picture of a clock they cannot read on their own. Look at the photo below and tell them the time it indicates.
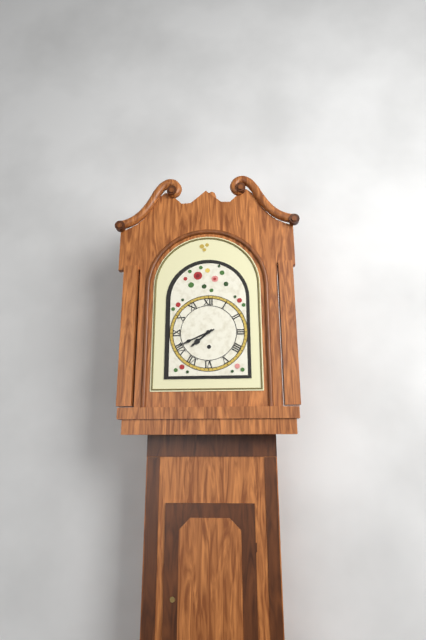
7:41
